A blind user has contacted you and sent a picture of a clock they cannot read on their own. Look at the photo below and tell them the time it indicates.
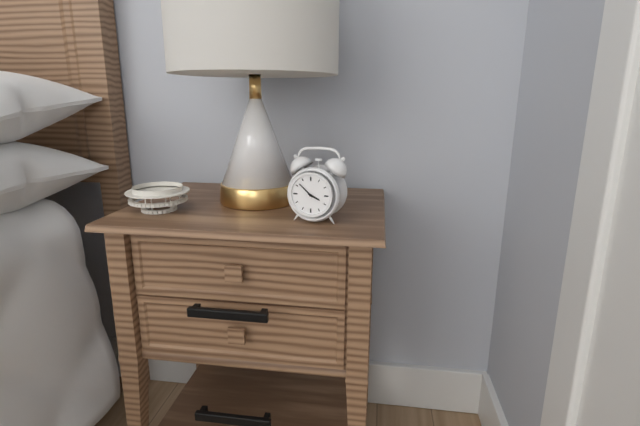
3:52
